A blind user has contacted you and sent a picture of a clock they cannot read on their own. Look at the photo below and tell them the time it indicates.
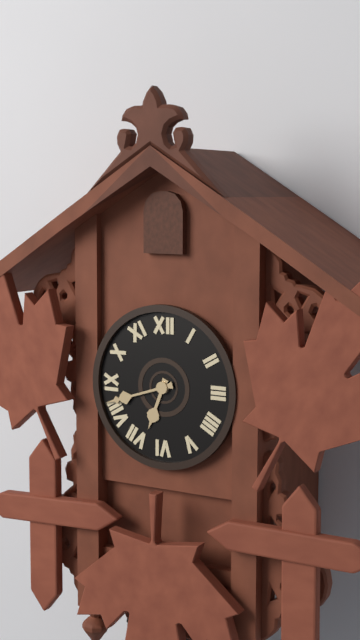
6:42
